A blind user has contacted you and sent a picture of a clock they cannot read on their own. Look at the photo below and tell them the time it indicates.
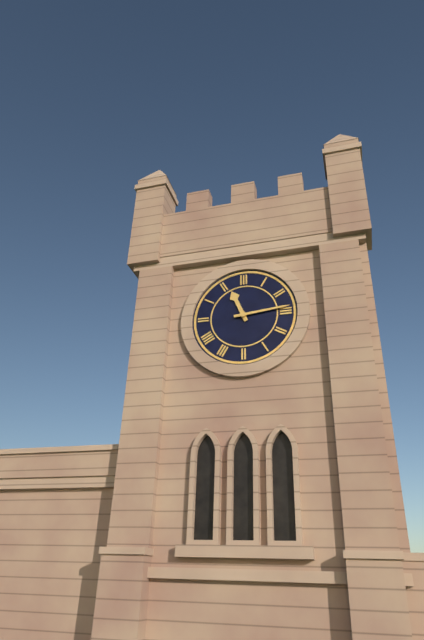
11:14
